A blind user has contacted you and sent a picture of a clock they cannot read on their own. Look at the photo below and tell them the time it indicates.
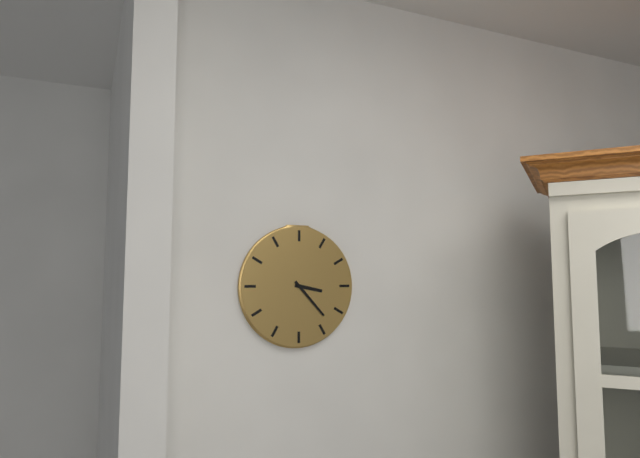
3:23
